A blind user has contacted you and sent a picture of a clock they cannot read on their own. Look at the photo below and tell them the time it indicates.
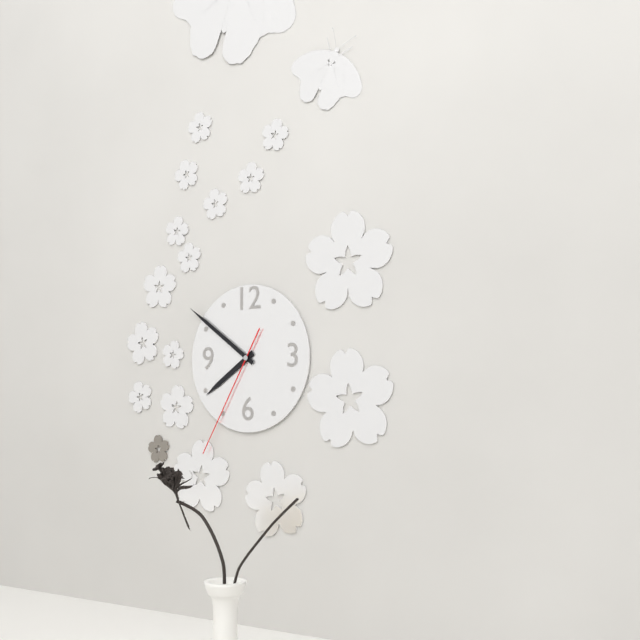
7:51:35
